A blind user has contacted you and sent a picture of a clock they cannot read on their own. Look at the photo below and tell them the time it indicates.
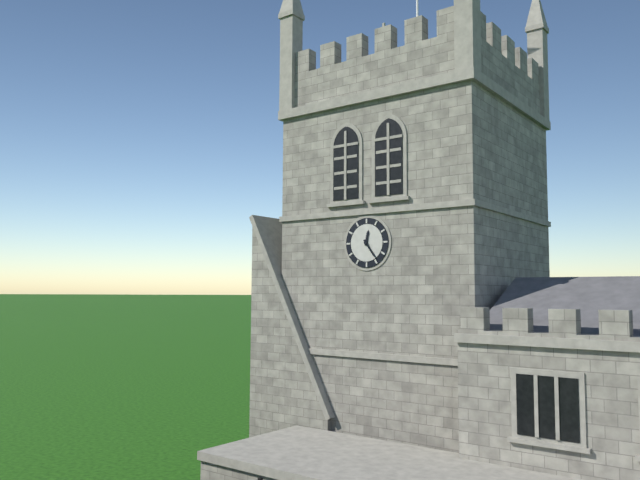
12:24
